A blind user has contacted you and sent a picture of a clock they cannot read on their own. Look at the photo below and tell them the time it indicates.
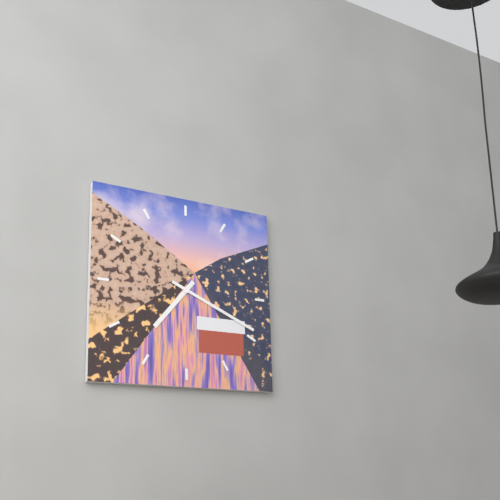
7:19
